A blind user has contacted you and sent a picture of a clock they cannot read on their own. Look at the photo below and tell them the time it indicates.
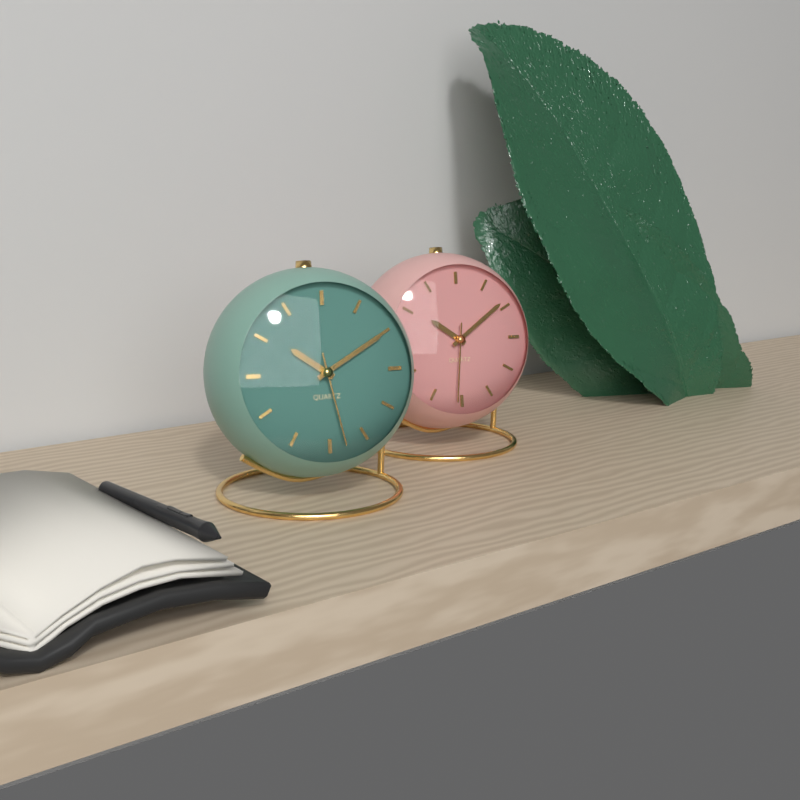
10:10:28
